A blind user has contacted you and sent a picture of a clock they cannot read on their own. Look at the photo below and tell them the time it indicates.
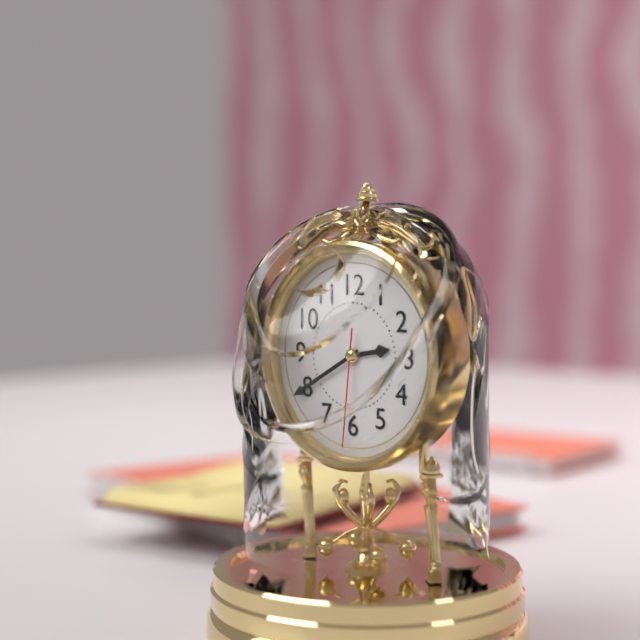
2:40:31
